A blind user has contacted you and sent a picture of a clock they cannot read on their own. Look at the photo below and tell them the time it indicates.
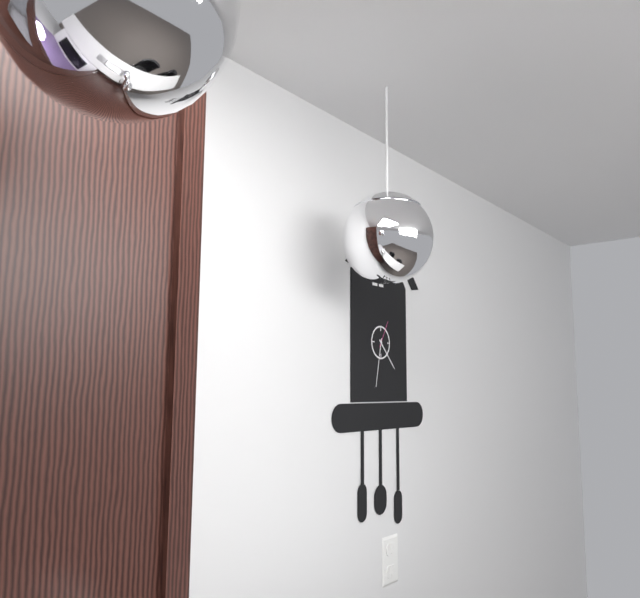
4:32
